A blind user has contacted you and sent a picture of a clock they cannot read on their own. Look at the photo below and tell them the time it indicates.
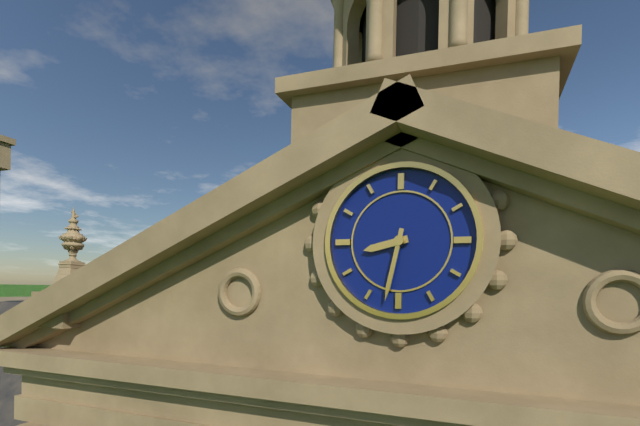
8:32
